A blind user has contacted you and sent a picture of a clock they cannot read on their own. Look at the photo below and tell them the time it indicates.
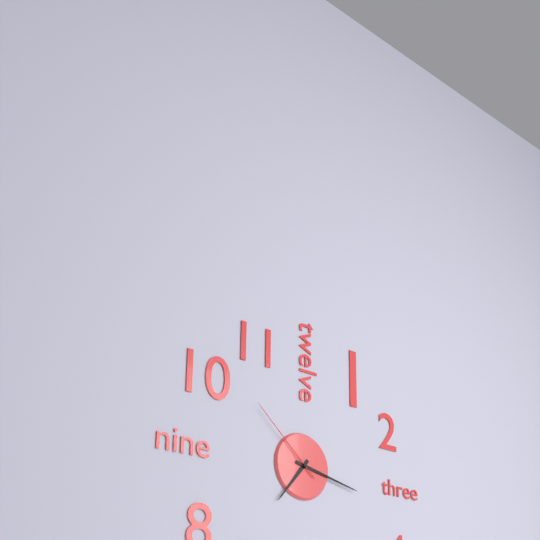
7:17:52
